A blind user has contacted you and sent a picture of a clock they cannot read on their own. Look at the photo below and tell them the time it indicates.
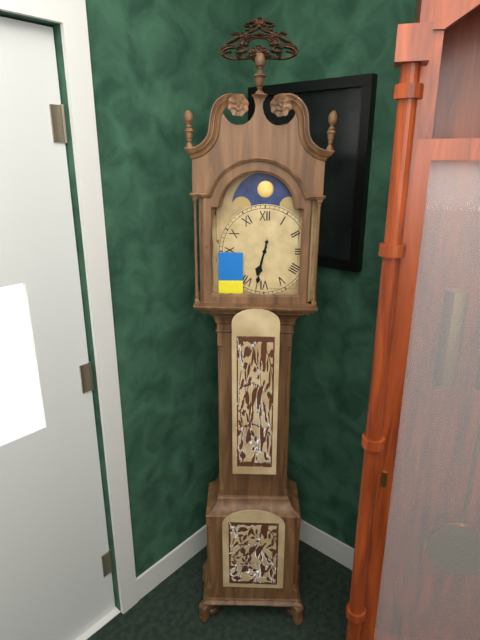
6:32
